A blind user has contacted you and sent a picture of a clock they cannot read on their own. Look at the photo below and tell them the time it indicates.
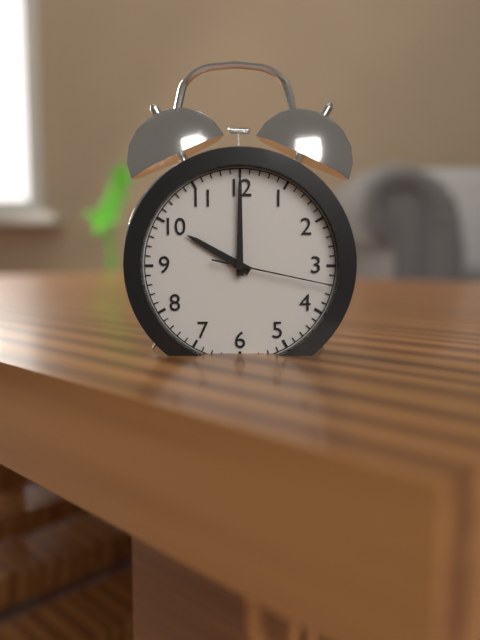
10:00:17
